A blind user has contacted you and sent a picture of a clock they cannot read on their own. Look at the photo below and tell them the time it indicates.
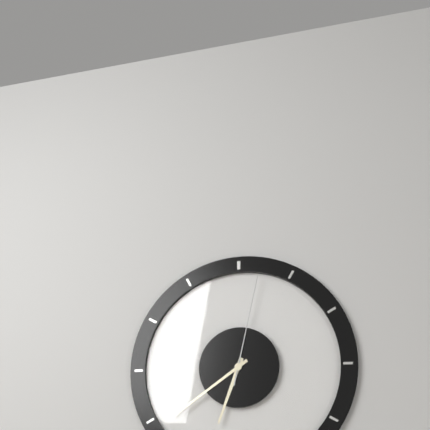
6:39:02
